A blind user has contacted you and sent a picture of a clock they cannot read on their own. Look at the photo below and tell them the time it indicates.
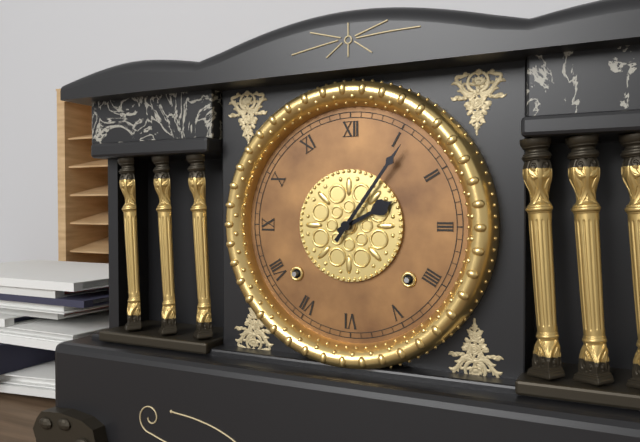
2:06
